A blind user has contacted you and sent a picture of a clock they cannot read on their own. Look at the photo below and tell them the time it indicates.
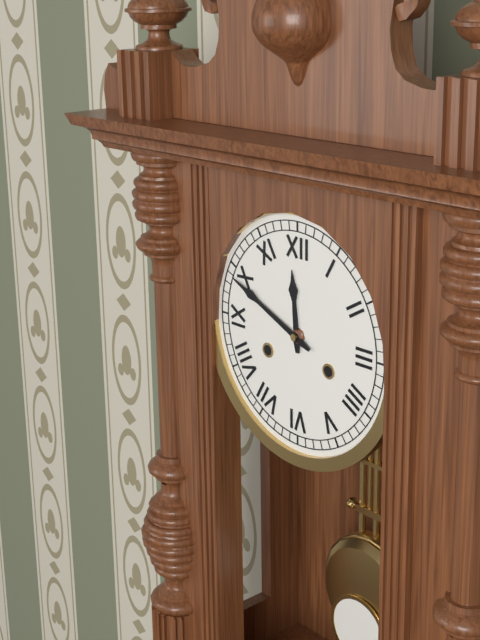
11:49
